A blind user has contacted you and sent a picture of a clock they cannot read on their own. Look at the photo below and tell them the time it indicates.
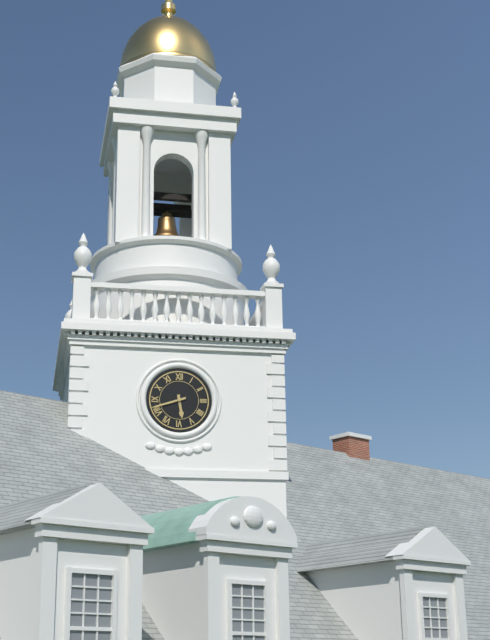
5:42
